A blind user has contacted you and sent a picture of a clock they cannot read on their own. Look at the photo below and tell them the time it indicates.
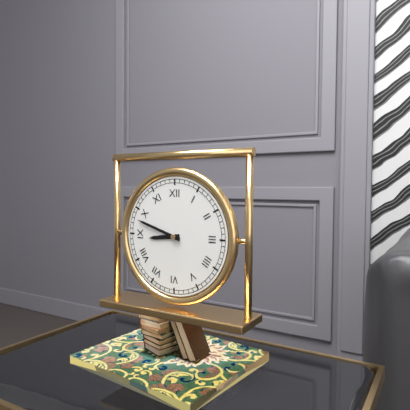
8:48
